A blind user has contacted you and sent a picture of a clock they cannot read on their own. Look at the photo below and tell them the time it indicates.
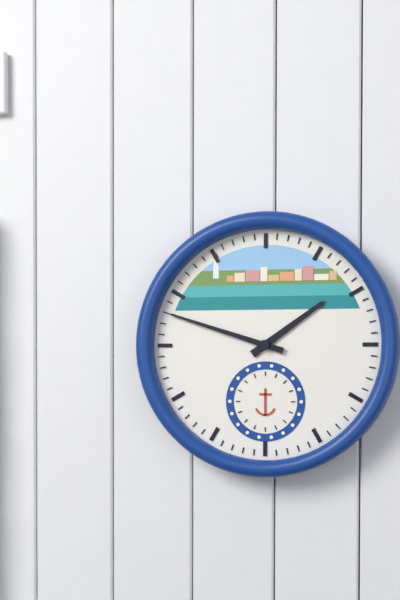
1:48
